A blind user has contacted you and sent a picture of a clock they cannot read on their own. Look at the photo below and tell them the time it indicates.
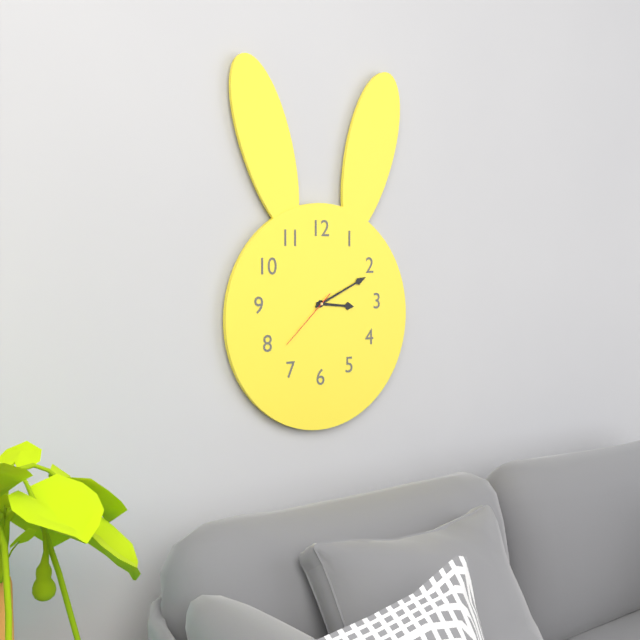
3:11:38
